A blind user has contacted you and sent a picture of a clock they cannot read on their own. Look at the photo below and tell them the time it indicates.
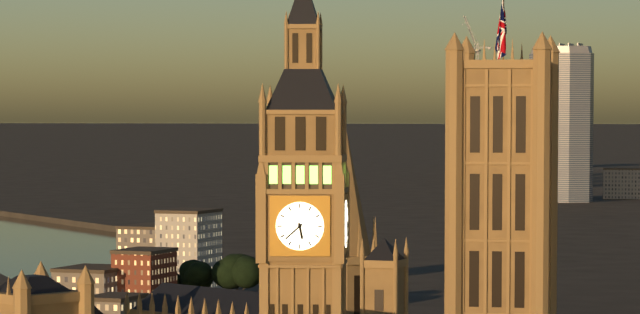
5:38
